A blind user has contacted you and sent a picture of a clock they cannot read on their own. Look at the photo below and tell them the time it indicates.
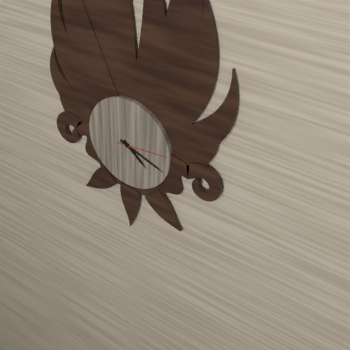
4:18
